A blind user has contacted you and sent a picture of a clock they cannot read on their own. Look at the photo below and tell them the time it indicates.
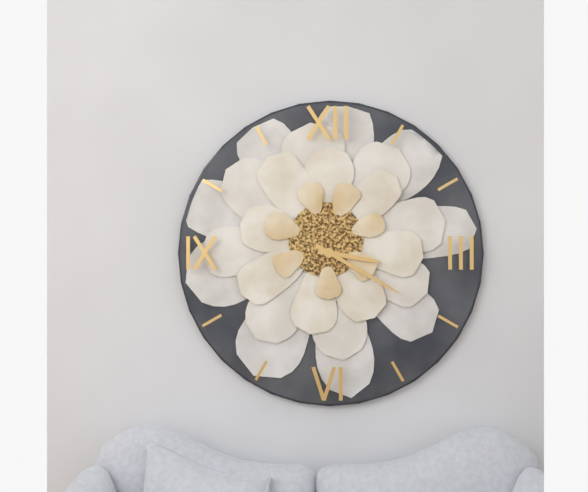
3:20
